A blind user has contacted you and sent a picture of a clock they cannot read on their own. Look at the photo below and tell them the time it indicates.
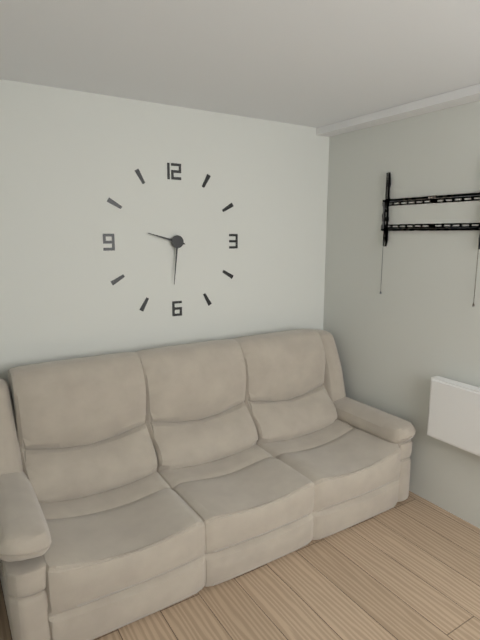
9:31
